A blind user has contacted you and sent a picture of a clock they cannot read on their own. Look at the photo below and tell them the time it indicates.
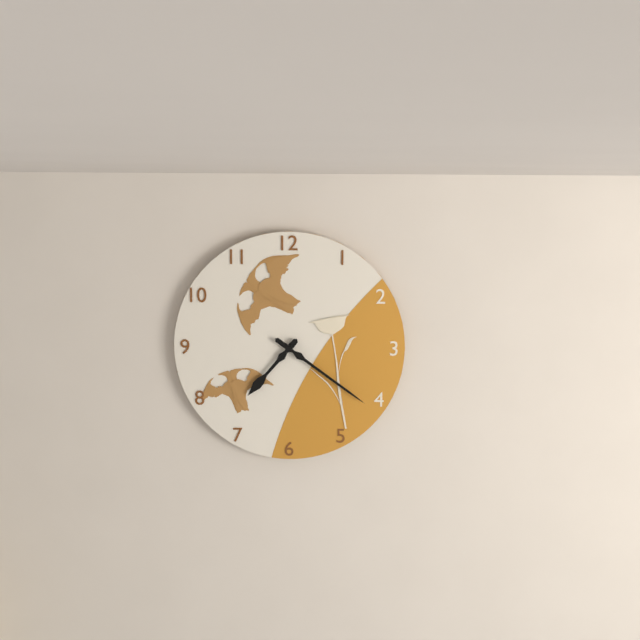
7:21
